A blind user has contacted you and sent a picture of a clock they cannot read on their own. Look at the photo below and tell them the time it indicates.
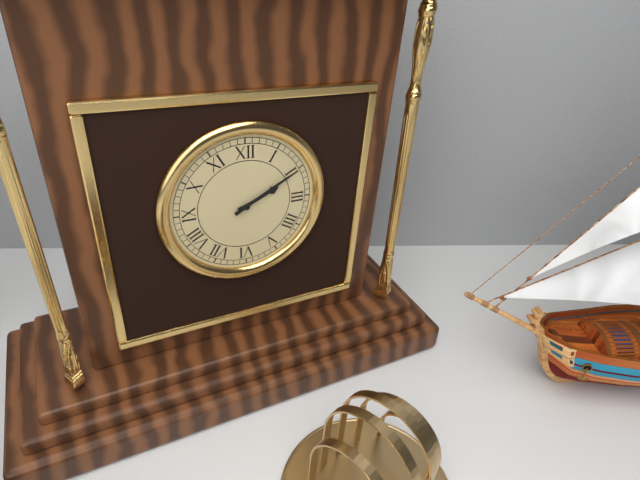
2:10
